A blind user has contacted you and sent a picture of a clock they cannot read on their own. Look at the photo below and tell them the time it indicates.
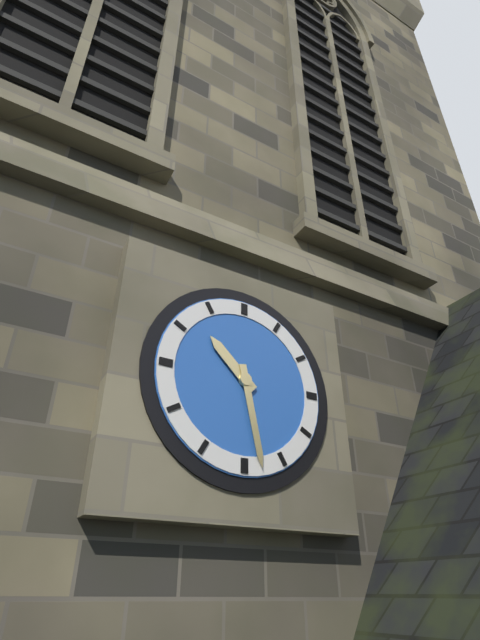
10:28
